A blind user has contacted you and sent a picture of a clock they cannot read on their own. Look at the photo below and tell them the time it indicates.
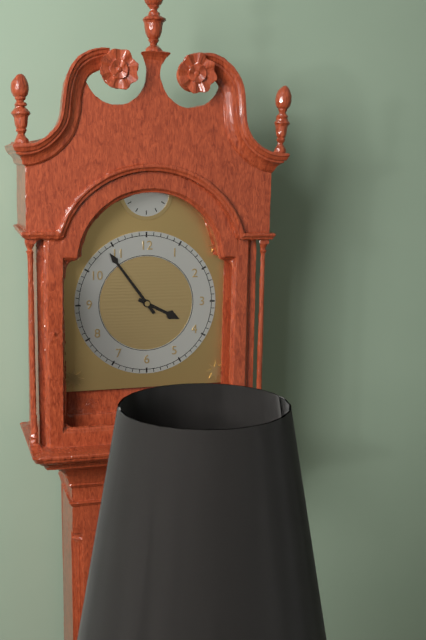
3:54
